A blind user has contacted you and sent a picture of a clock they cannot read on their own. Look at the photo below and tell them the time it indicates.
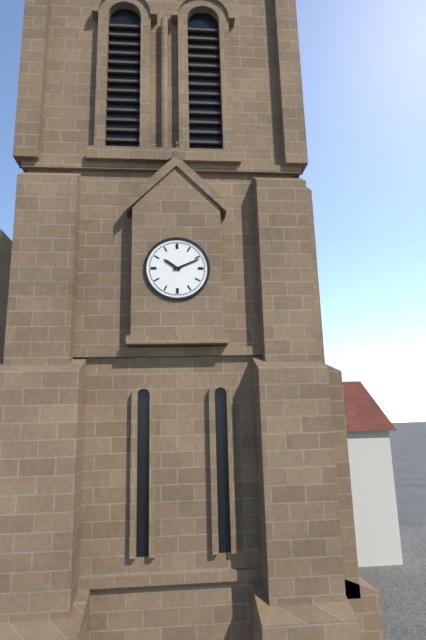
10:11
